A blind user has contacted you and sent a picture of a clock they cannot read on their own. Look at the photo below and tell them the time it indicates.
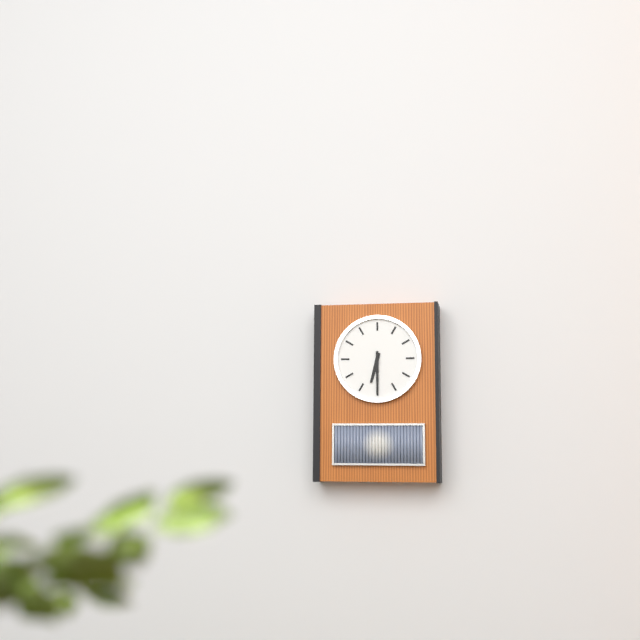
6:30
